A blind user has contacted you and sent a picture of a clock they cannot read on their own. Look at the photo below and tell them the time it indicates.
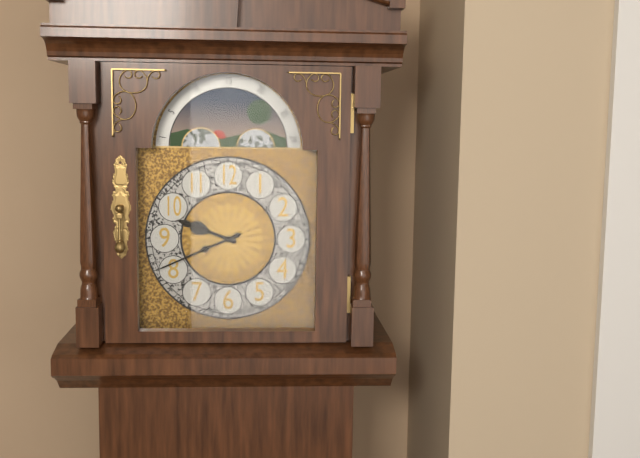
9:41
